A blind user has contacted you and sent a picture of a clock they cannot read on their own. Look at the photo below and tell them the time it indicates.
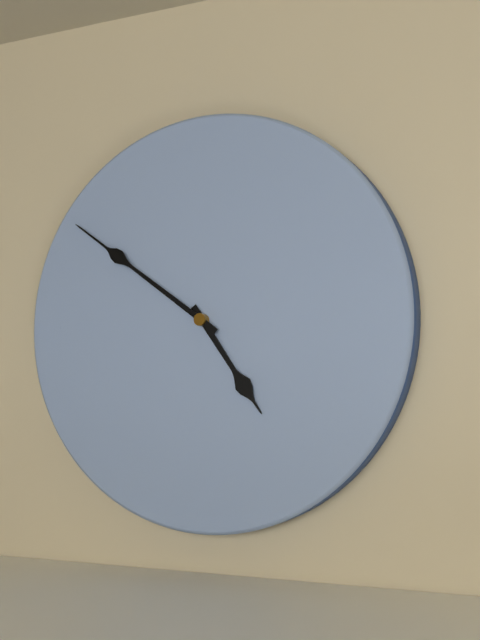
4:51
